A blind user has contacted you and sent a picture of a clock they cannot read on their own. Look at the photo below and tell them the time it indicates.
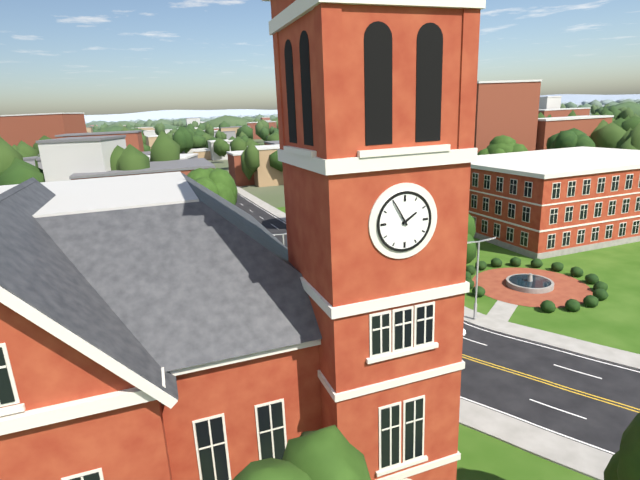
1:55
